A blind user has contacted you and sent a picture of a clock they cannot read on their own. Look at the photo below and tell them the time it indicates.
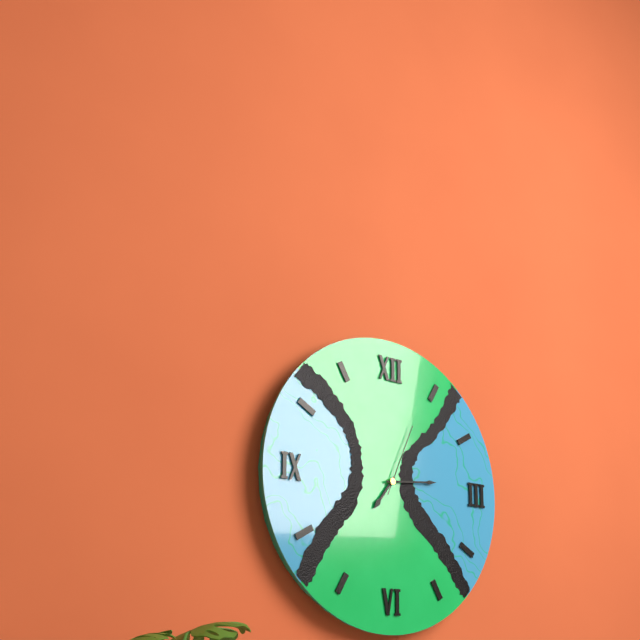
7:14:04
